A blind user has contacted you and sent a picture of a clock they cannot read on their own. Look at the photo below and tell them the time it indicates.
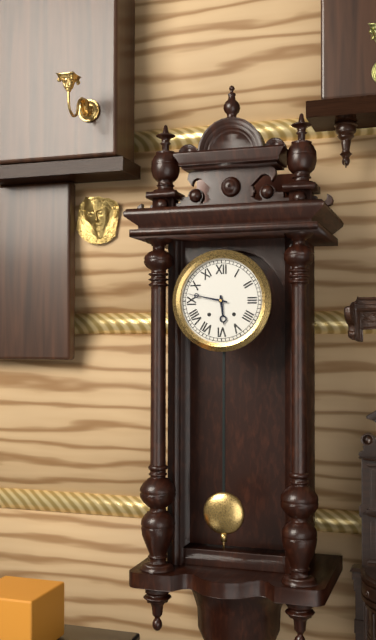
5:47
